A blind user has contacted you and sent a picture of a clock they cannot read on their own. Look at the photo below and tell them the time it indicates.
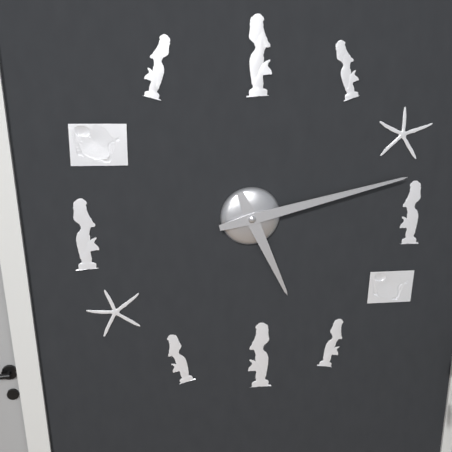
5:13
